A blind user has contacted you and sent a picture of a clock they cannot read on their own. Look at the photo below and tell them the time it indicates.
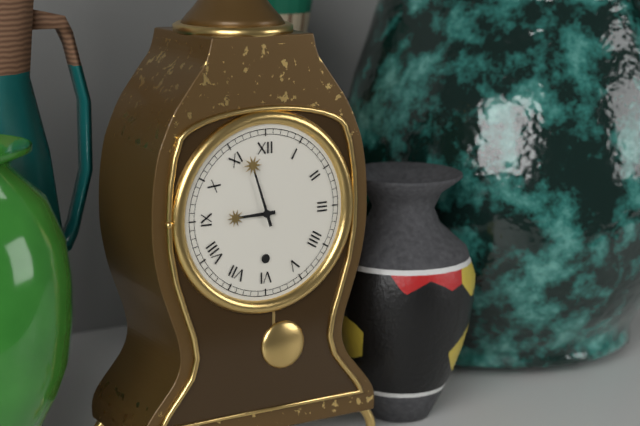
8:57
